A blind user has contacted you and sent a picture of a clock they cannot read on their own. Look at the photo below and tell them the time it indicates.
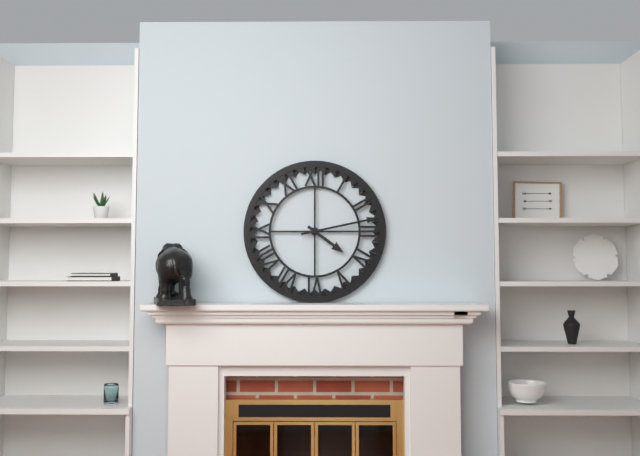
4:13
